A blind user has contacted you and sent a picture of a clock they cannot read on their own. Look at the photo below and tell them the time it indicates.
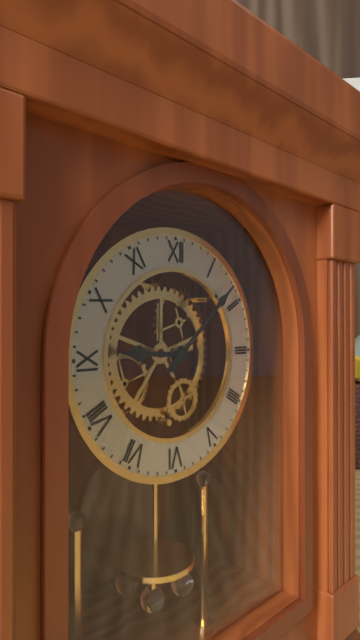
9:08
